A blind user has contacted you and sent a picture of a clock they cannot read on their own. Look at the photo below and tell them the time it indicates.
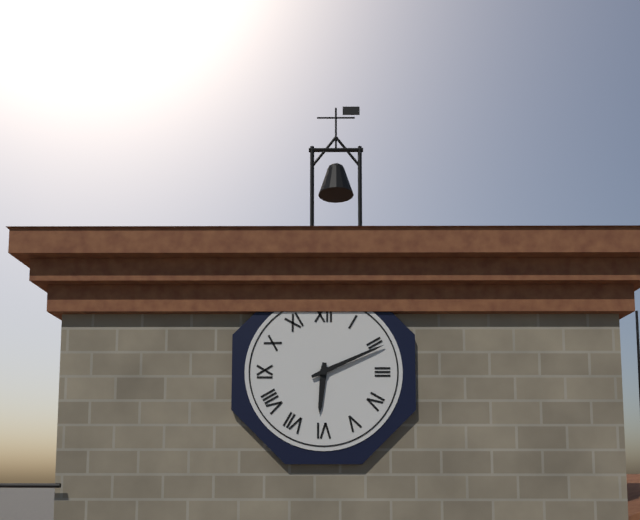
6:11
